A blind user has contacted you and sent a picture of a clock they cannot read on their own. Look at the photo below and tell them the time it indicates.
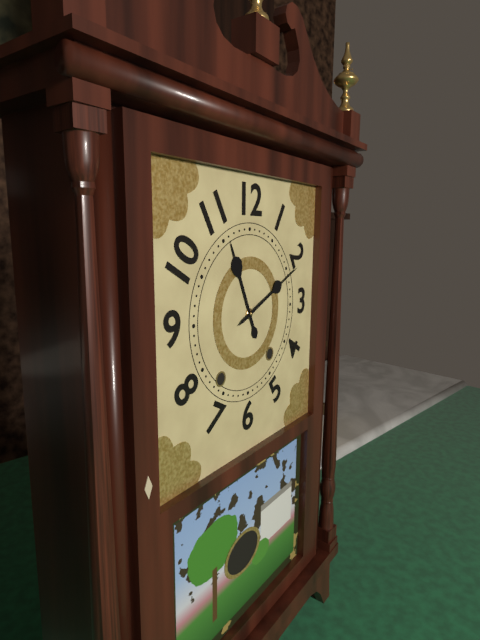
11:11
